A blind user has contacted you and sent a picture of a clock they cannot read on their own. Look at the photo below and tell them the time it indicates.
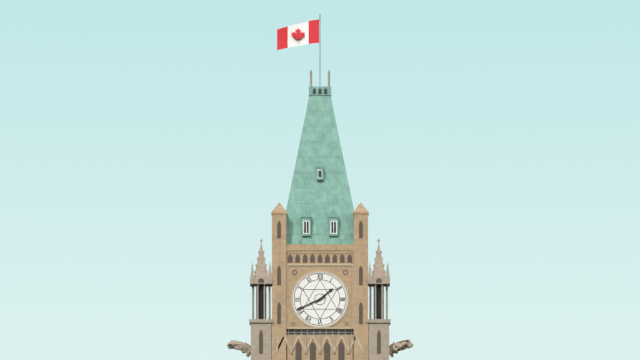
1:41
